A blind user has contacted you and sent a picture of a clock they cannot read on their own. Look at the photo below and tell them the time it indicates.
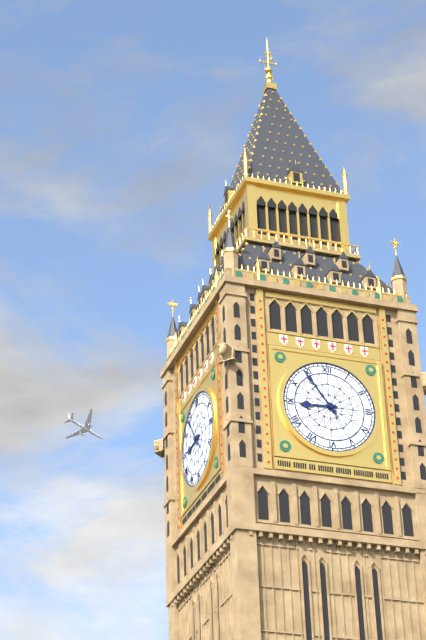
8:54
